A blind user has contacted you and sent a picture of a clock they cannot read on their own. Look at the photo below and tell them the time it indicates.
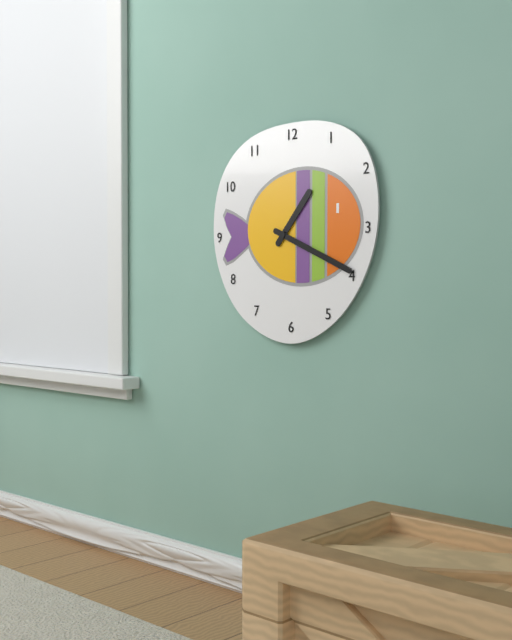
1:19
